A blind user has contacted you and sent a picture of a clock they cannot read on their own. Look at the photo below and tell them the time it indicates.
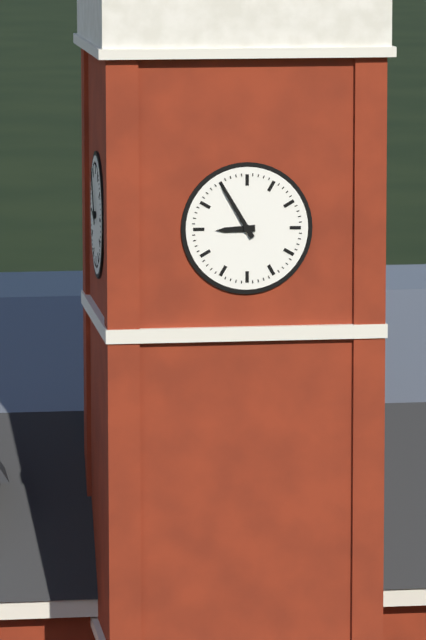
8:55
